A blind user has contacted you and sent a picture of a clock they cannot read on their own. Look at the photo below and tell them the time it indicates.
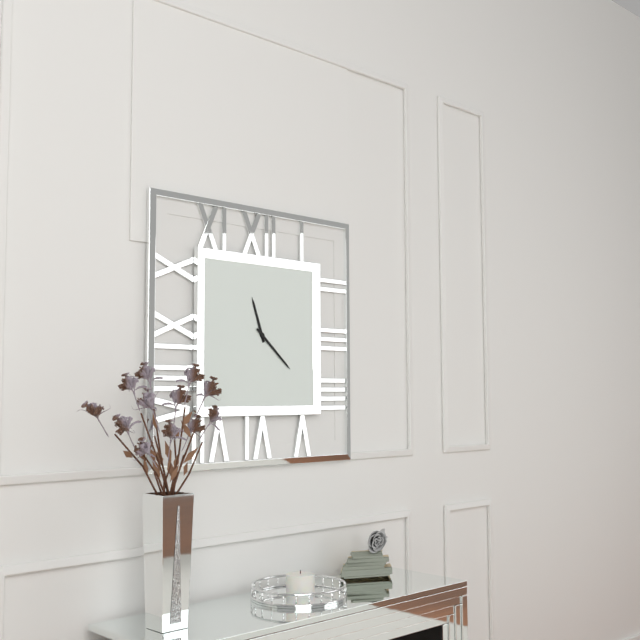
11:22
